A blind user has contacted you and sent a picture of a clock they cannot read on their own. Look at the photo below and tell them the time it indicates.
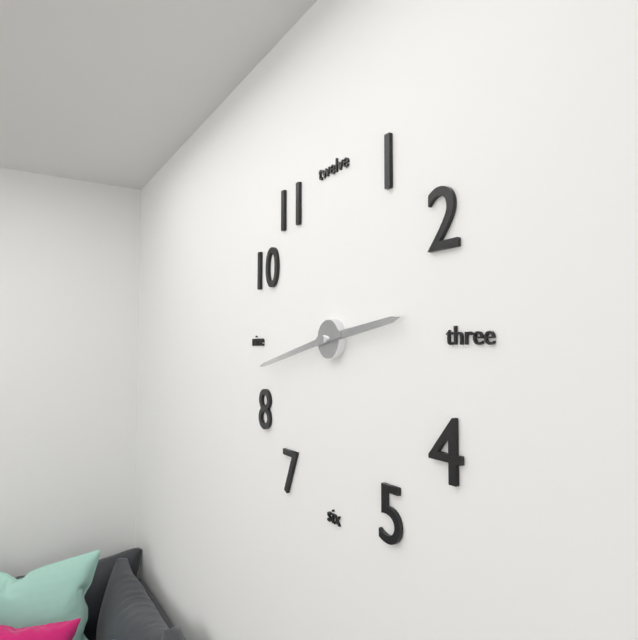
2:43
